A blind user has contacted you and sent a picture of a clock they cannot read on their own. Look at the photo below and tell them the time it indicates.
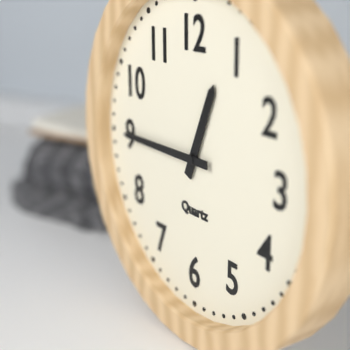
12:45
